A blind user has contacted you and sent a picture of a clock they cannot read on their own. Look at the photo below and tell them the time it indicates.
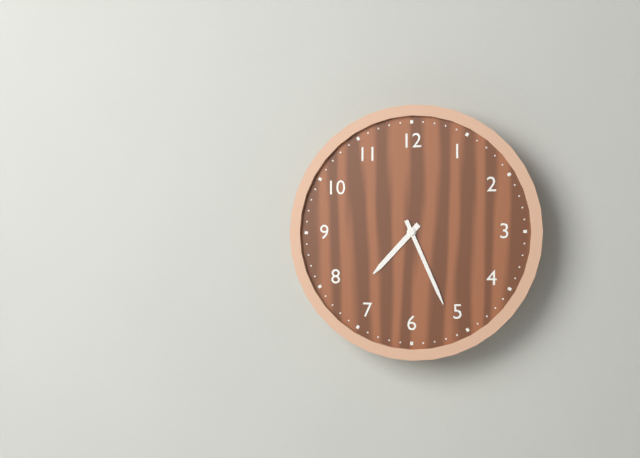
7:26
